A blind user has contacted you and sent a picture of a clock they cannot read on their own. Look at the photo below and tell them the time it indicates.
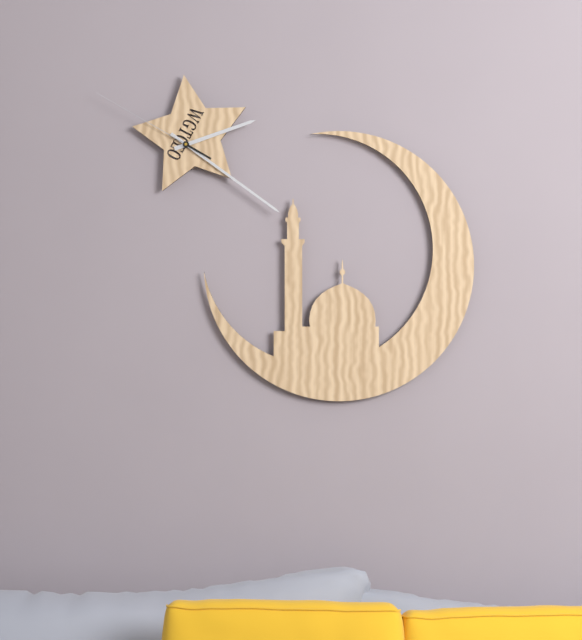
2:21:50
